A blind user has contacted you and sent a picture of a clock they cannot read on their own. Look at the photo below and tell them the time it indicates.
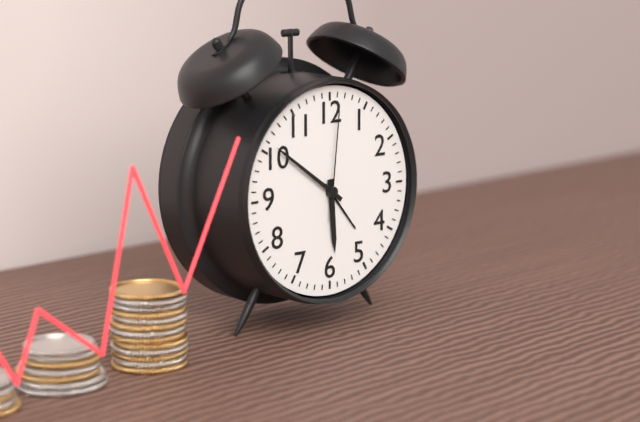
5:51:01
